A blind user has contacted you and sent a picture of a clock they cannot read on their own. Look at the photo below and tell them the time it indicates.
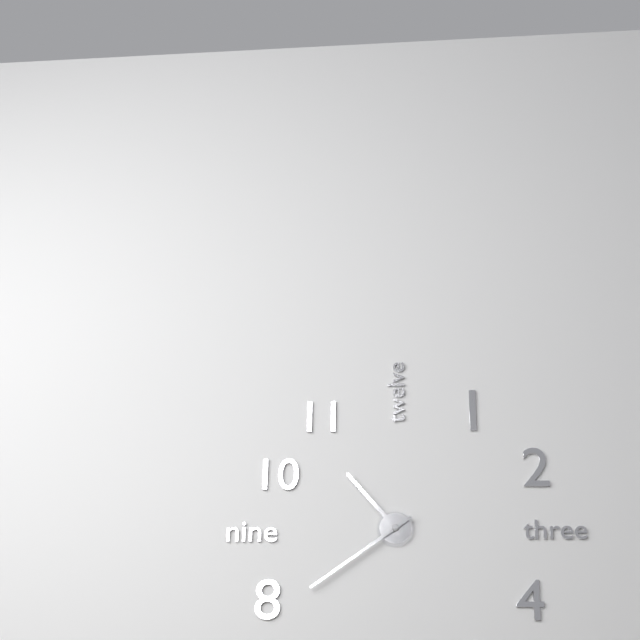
10:39
